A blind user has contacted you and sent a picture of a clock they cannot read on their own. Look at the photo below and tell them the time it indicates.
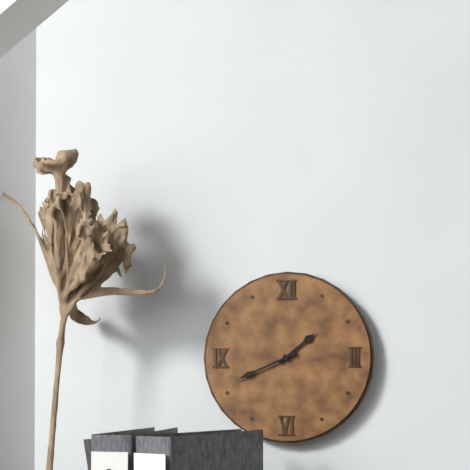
1:41
